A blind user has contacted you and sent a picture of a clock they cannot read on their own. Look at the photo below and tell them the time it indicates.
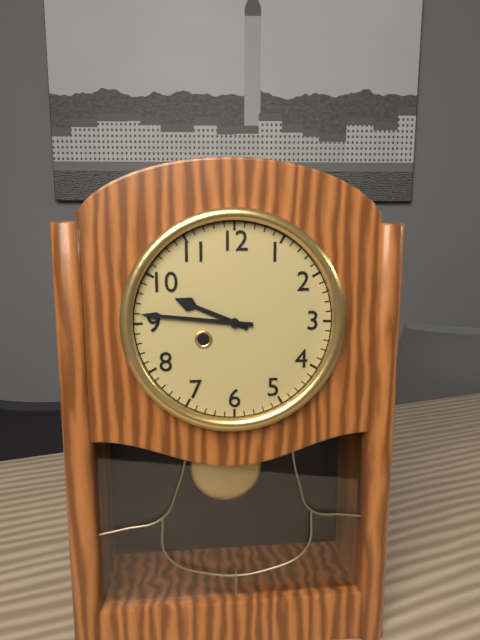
9:46
